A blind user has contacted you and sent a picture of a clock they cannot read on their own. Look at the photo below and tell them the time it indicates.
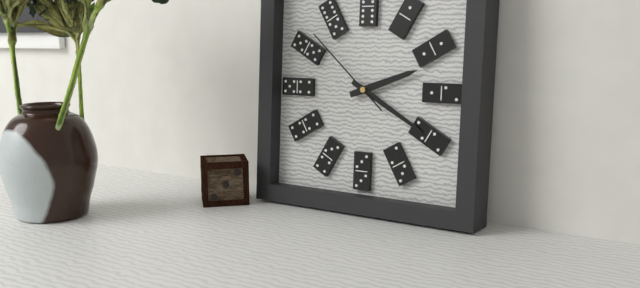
2:20:52
